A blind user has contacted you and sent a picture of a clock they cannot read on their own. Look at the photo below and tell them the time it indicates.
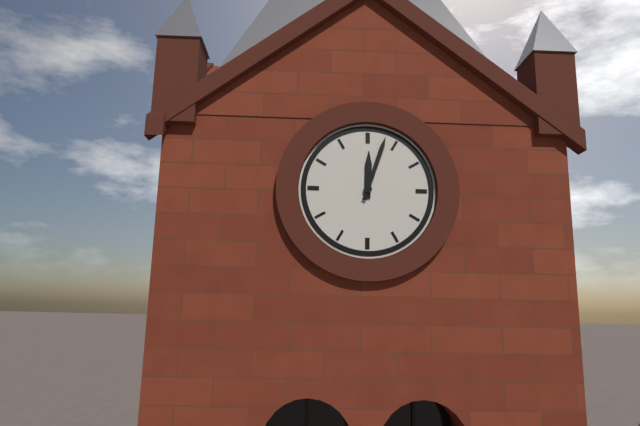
12:03
